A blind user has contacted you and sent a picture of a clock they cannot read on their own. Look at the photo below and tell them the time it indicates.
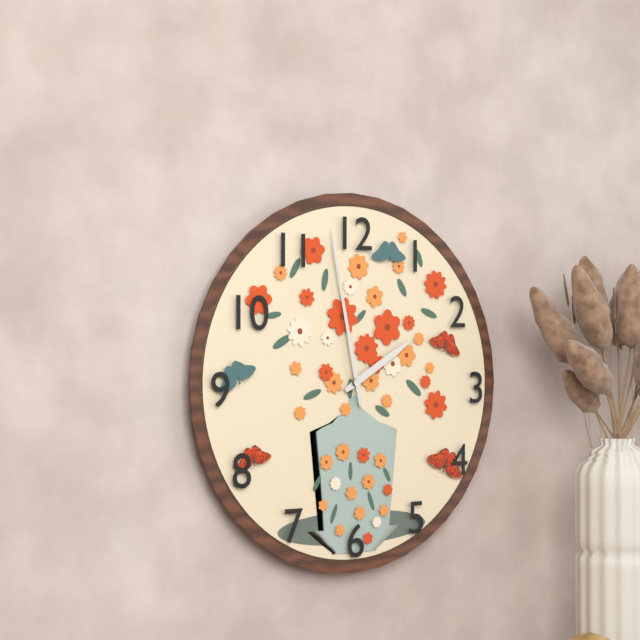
1:58
